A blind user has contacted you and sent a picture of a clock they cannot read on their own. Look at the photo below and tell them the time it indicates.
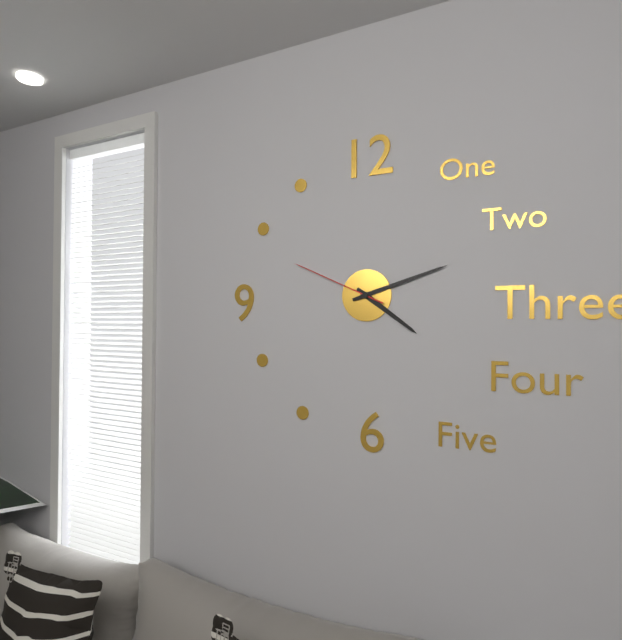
4:12:49
